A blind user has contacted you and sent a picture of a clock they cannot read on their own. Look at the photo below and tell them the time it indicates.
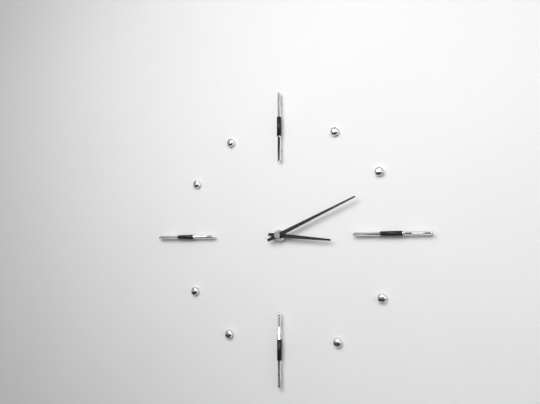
3:11
